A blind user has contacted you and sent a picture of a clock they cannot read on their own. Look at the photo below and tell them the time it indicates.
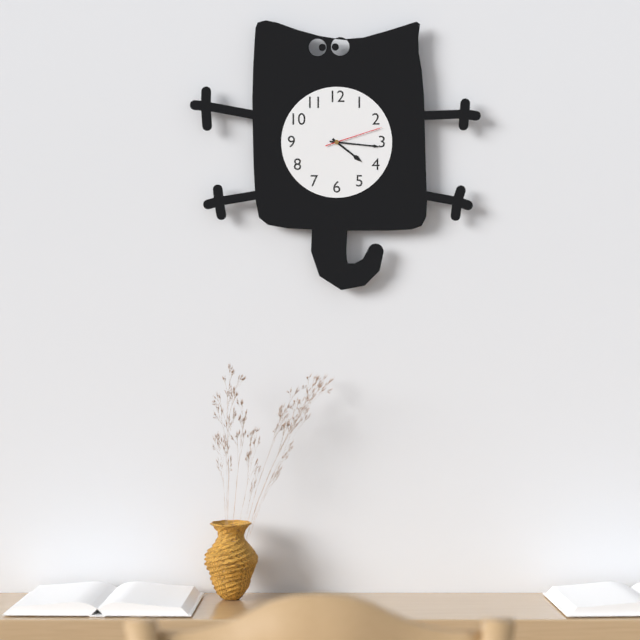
4:16:12
